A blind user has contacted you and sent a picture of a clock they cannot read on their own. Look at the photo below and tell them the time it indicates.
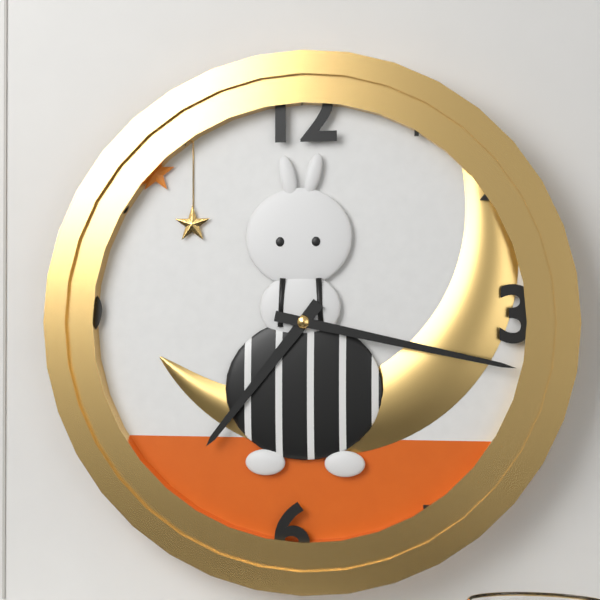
7:17
